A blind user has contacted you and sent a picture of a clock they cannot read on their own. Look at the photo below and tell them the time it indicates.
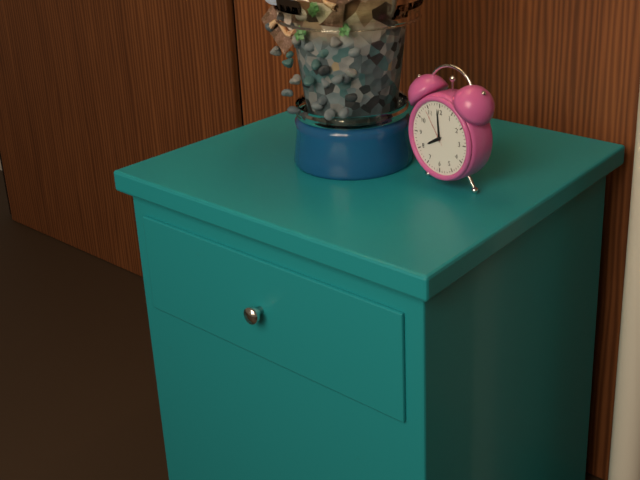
7:59
